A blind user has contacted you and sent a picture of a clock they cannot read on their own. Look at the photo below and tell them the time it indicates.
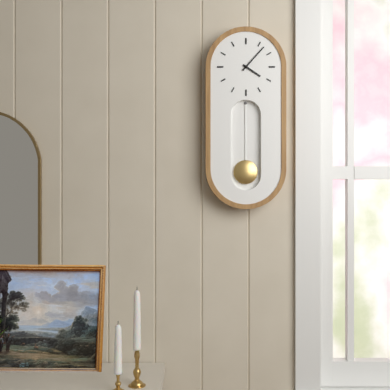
4:07
